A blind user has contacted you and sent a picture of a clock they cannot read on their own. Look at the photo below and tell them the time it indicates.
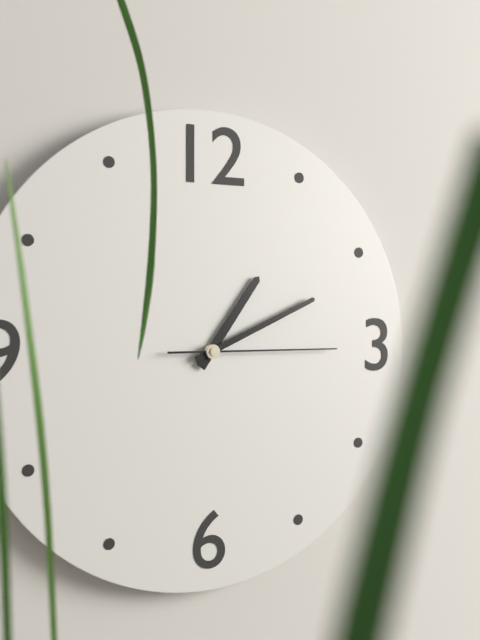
1:11:15
